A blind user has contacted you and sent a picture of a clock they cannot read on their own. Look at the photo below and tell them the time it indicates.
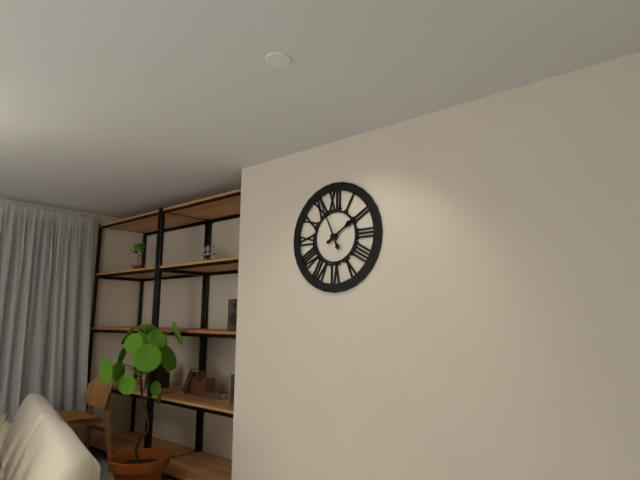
1:56
